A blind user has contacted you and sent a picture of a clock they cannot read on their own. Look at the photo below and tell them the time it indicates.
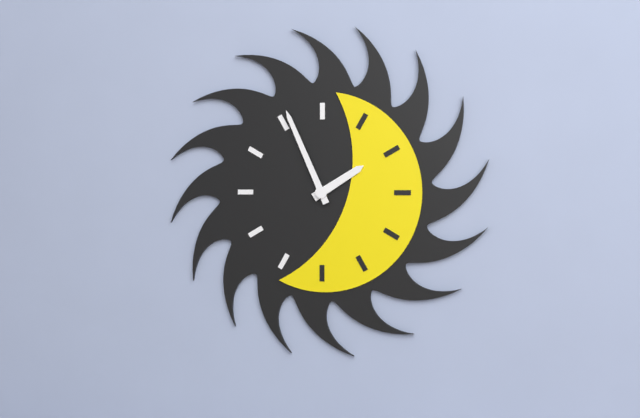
1:56
